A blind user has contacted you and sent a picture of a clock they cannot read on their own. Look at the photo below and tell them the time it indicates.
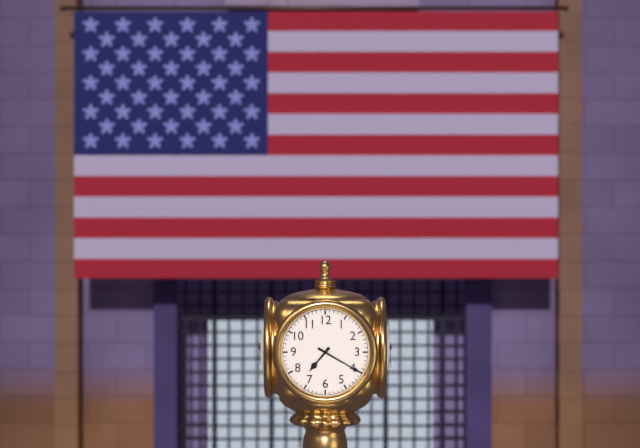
7:20
